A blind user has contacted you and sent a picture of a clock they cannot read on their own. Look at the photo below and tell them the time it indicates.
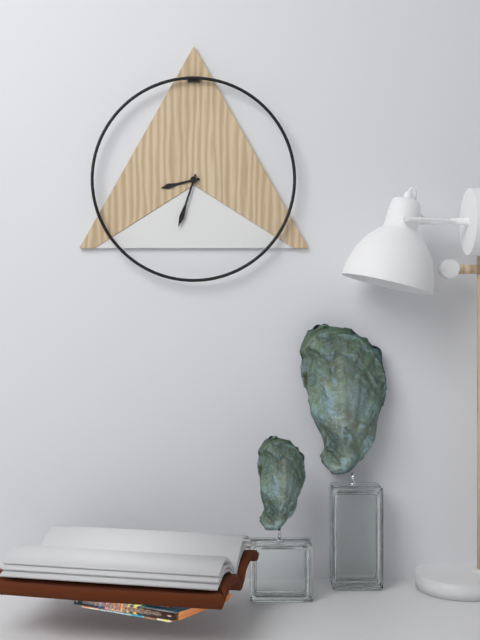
8:33
